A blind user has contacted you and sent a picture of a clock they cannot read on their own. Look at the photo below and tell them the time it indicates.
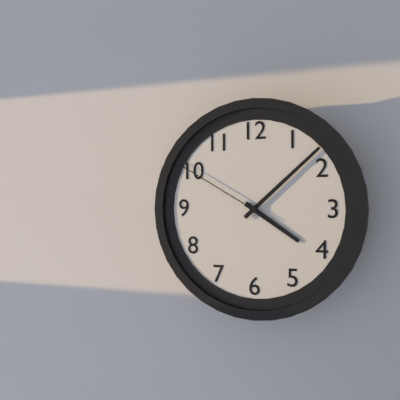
4:08:50
